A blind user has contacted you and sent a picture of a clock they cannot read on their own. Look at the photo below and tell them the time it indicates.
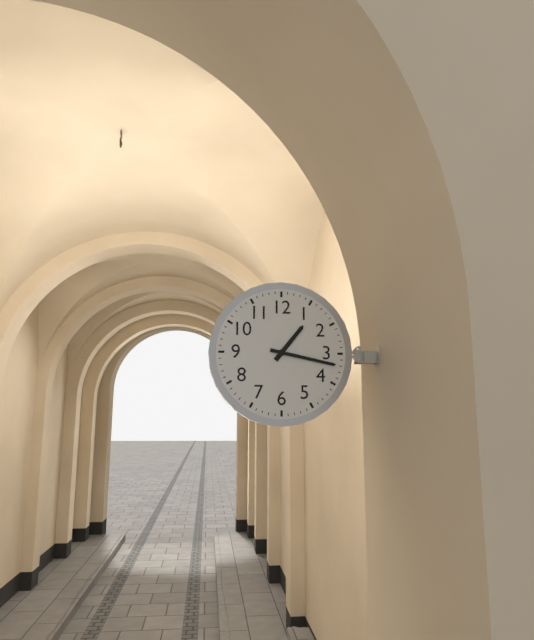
1:17
